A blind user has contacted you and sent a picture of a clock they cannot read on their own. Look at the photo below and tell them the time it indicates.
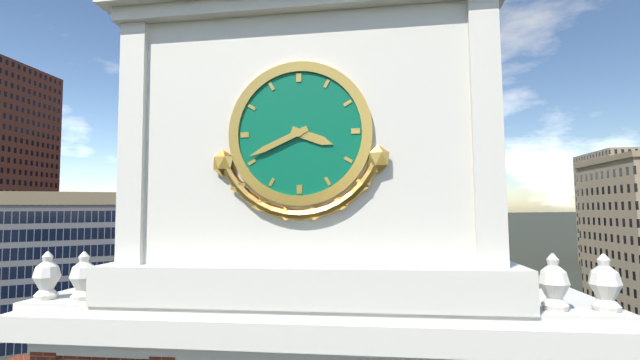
3:41
